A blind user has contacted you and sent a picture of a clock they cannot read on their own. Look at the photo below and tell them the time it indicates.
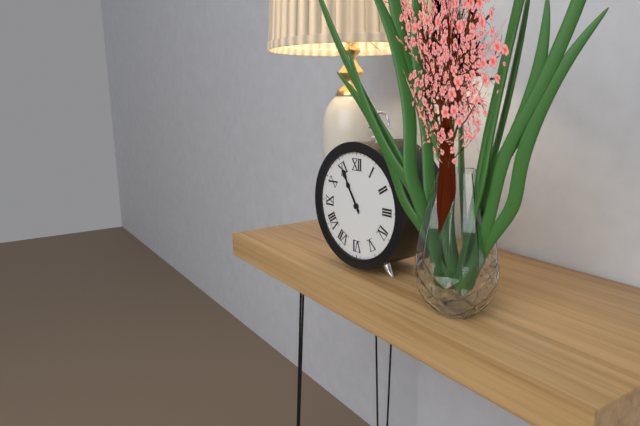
10:55
